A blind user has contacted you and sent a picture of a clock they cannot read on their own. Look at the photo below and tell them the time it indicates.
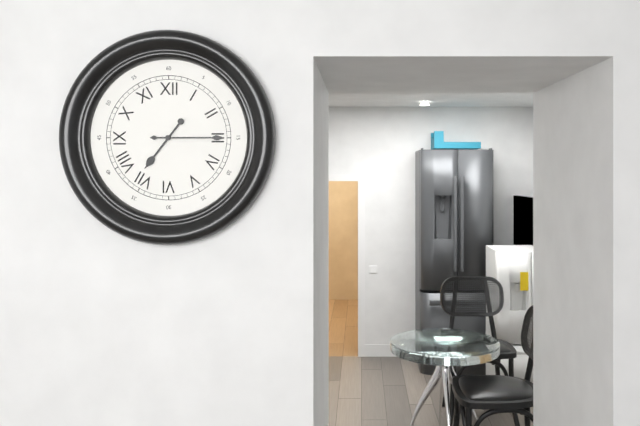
7:15
